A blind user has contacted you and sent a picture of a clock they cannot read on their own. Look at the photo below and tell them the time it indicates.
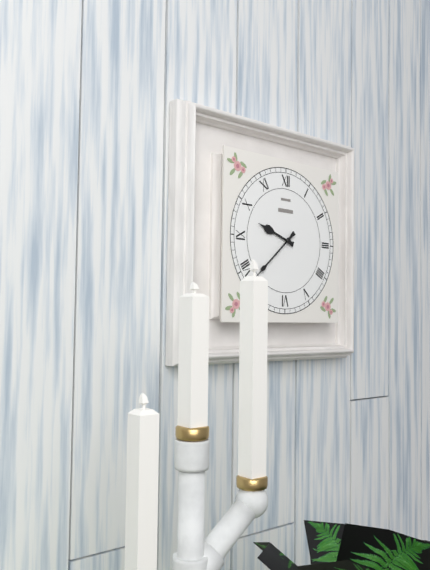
9:38
